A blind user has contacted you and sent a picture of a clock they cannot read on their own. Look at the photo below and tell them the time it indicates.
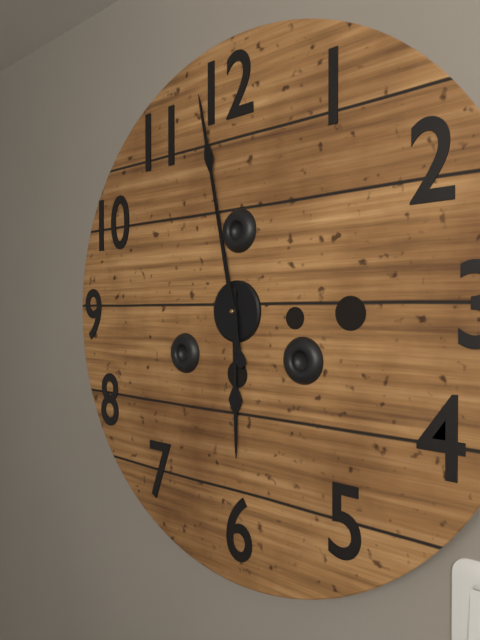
5:58
